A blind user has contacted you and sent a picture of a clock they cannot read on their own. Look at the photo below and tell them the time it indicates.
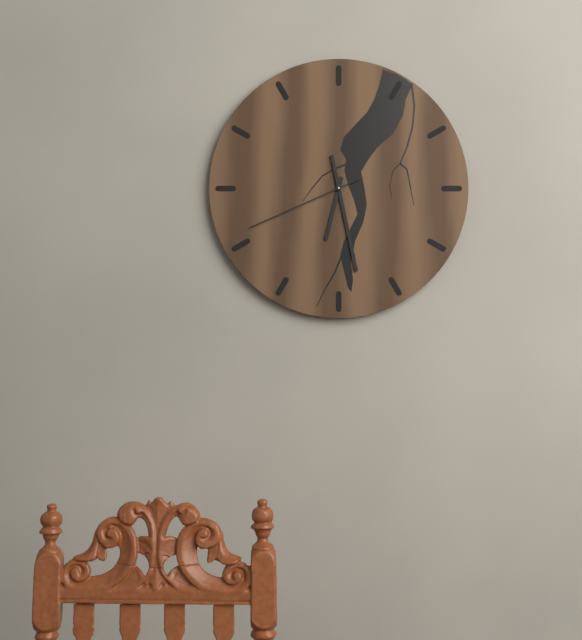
6:28:41
